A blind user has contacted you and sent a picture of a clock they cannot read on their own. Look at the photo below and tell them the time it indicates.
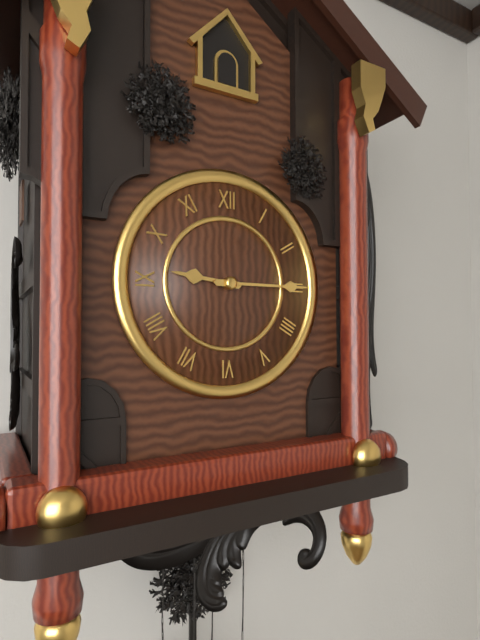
9:15
